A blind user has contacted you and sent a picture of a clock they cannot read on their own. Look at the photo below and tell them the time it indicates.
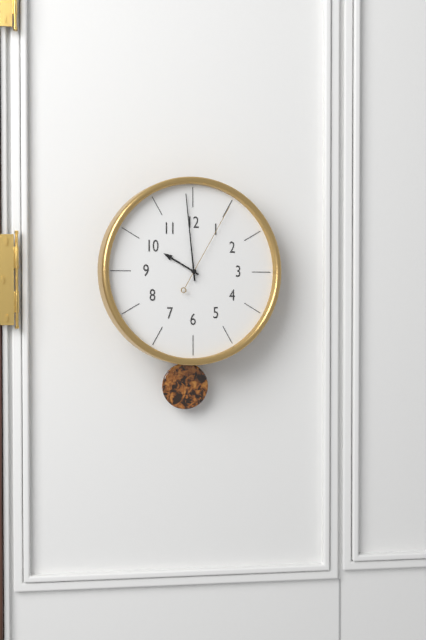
9:59:05
